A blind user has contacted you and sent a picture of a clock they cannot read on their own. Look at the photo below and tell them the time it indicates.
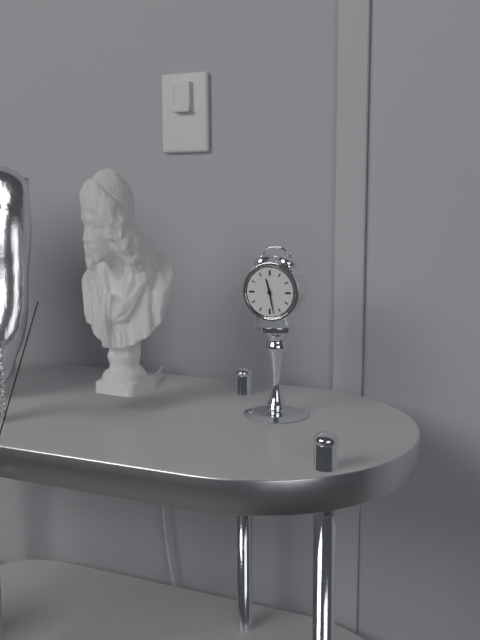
11:28
